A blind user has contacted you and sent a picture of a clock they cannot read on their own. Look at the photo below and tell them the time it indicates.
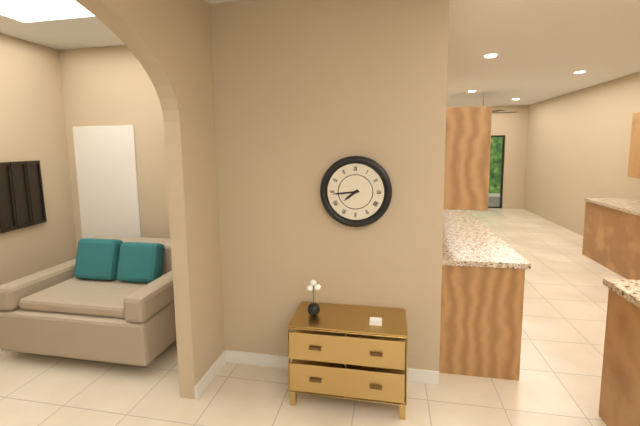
7:44
